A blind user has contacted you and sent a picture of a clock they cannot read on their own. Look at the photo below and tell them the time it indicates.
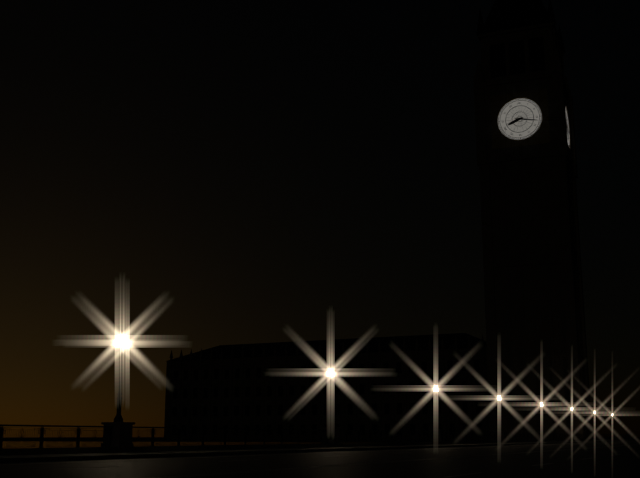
8:17
